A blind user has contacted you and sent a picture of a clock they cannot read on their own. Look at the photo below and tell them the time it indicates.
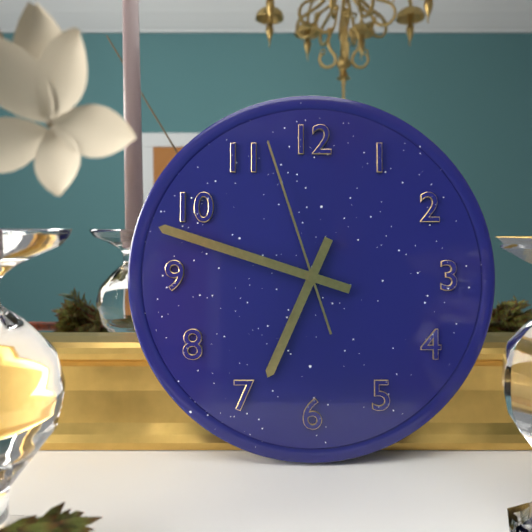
6:48:57
